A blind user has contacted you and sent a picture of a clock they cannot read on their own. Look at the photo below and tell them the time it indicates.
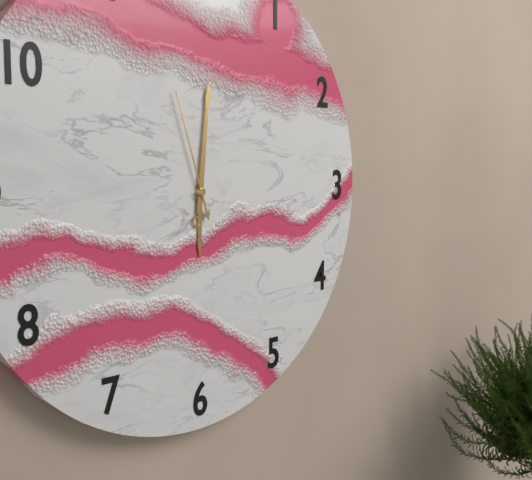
6:01:57
